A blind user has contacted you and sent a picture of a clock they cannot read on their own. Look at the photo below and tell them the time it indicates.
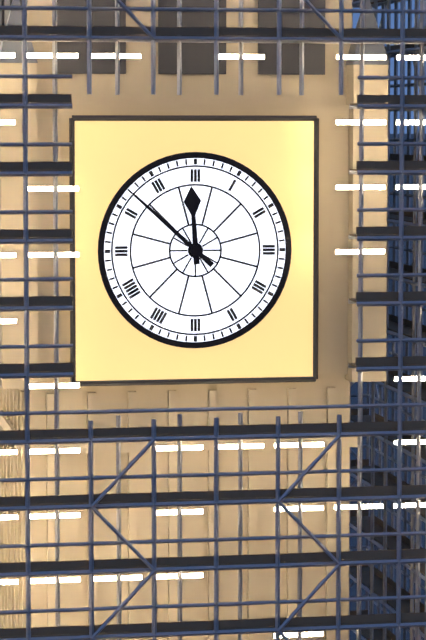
11:52
